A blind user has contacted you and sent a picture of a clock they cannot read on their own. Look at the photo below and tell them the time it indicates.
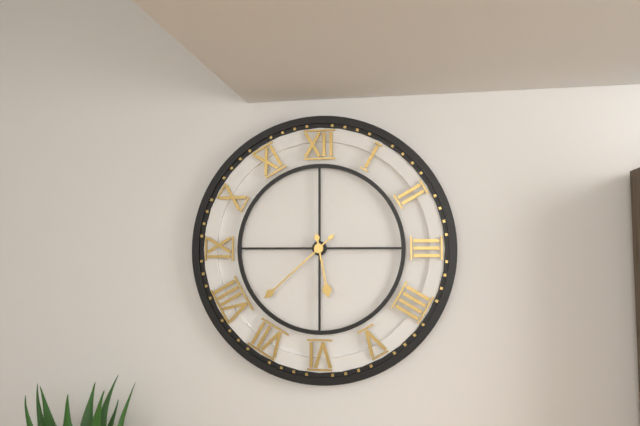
5:38
